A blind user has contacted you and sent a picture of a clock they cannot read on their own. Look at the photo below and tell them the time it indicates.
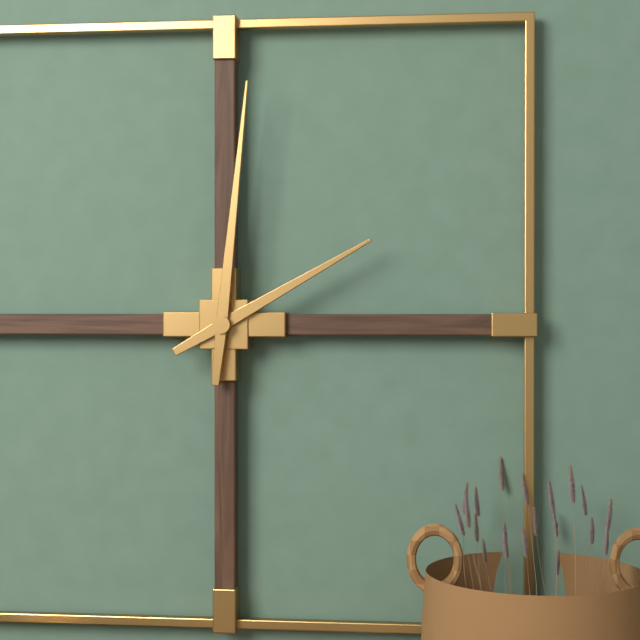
2:01
